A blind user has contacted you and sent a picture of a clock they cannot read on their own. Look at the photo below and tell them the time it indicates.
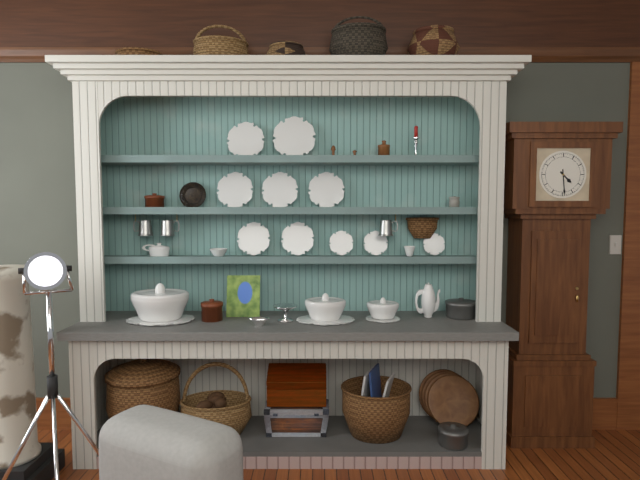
4:29
